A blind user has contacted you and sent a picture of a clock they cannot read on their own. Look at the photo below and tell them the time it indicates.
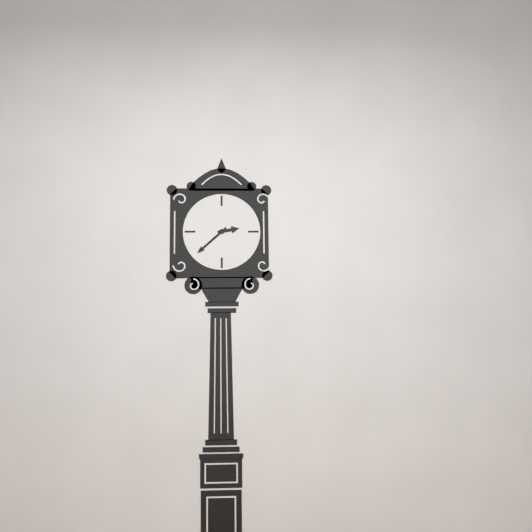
2:38
